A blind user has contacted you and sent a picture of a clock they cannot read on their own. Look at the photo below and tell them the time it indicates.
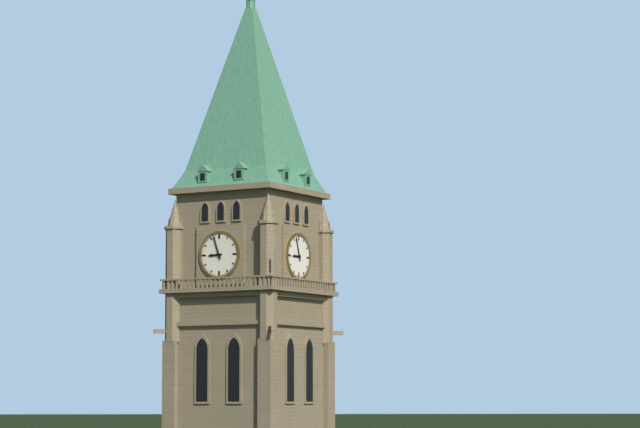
8:57
